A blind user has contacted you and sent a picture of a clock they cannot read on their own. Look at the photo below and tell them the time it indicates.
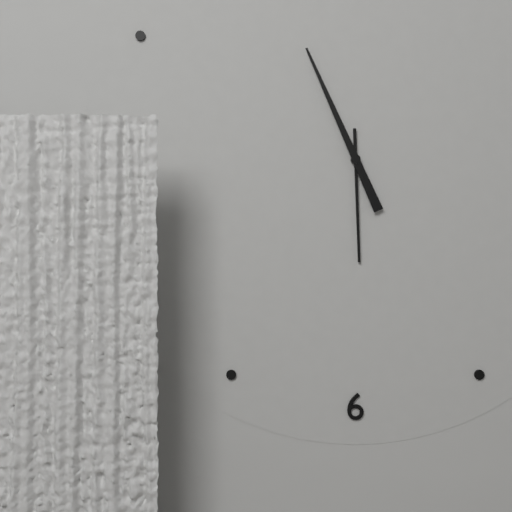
5:56
